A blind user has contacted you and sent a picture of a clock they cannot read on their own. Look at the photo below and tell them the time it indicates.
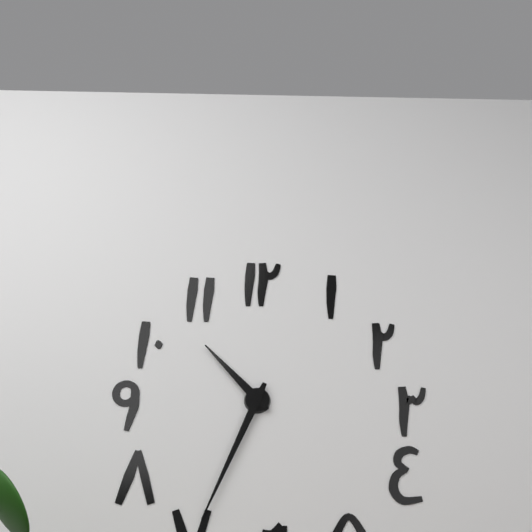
10:34
